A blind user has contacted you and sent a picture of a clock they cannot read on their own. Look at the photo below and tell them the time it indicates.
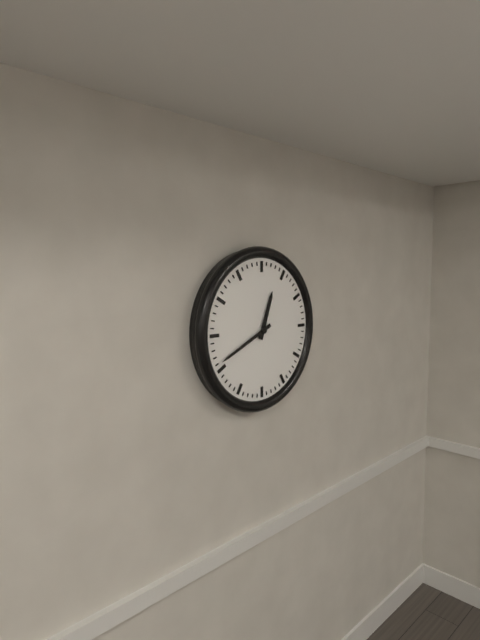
12:41
